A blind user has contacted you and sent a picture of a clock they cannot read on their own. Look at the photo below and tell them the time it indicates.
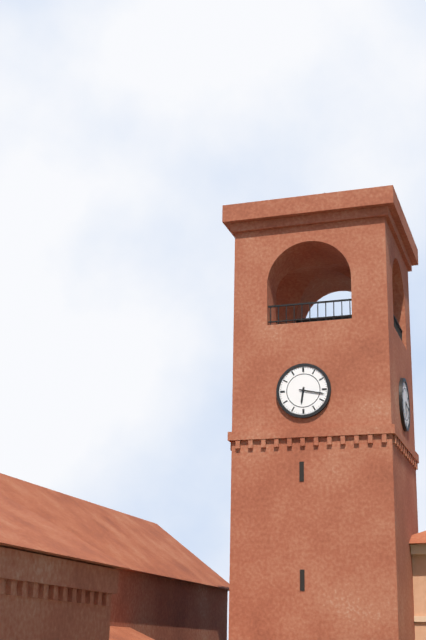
6:17
